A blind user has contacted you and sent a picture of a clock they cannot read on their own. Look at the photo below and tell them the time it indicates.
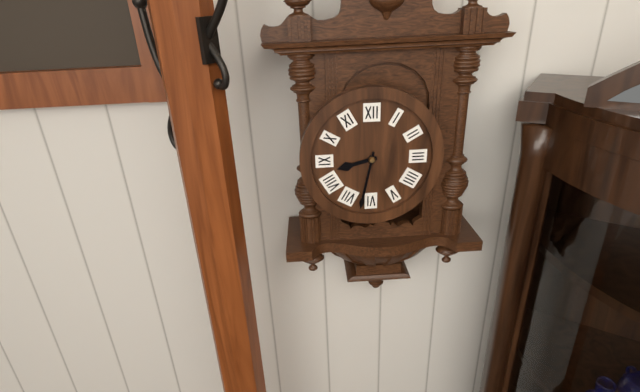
8:32
